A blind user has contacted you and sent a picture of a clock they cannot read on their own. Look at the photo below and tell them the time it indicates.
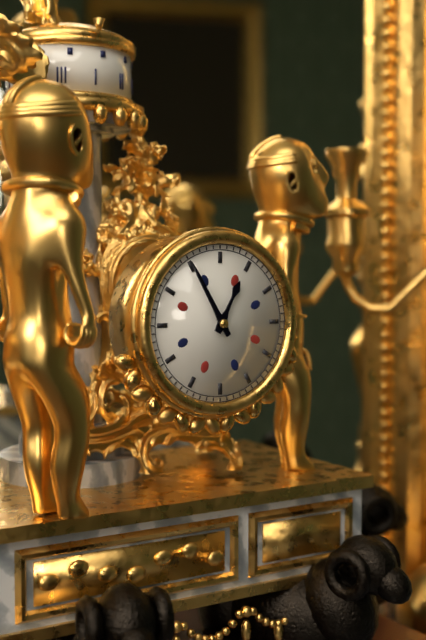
12:55
